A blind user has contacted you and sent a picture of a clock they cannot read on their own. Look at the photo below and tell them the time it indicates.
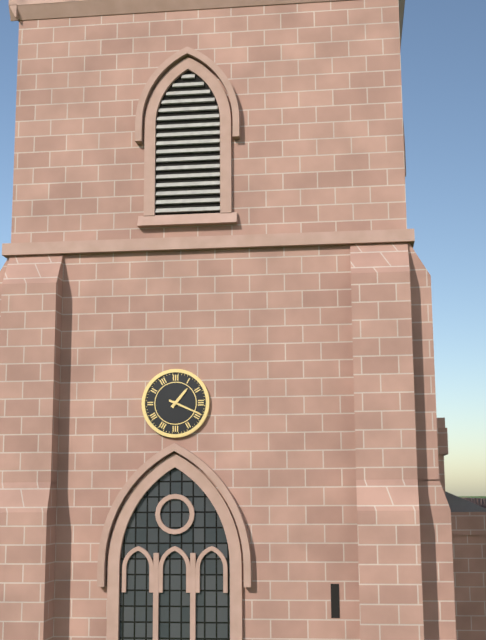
1:19
